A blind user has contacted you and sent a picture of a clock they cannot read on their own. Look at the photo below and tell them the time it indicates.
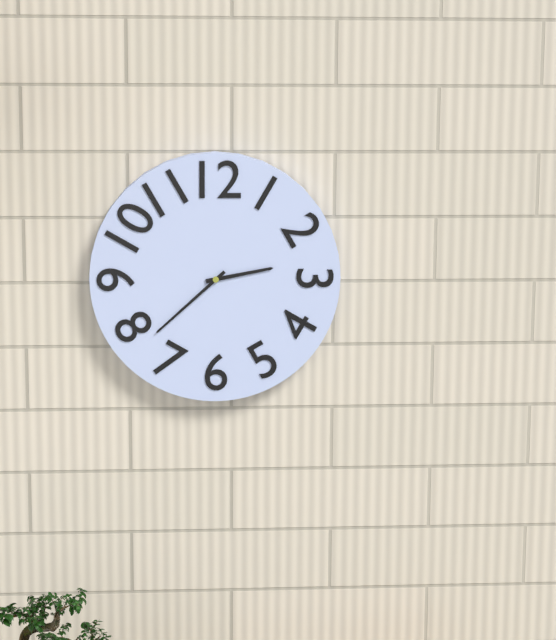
2:38
